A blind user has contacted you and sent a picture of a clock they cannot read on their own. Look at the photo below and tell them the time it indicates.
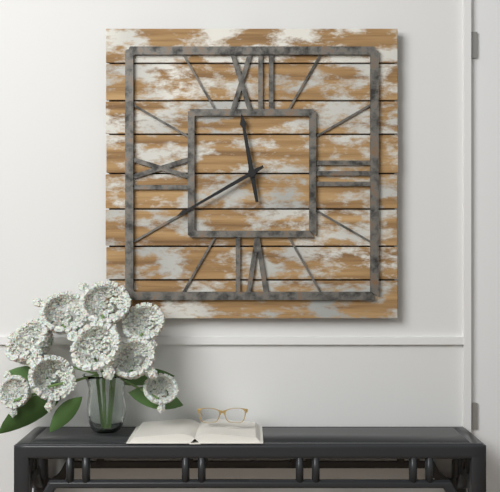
11:40
